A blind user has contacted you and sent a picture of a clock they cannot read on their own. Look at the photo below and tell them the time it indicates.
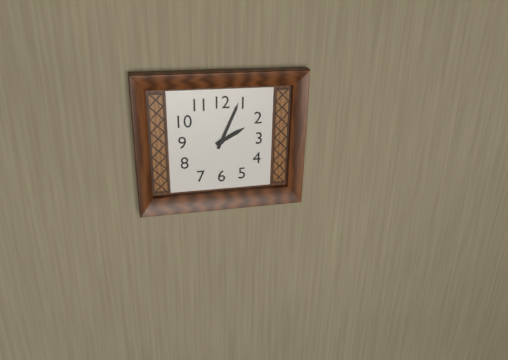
2:04
